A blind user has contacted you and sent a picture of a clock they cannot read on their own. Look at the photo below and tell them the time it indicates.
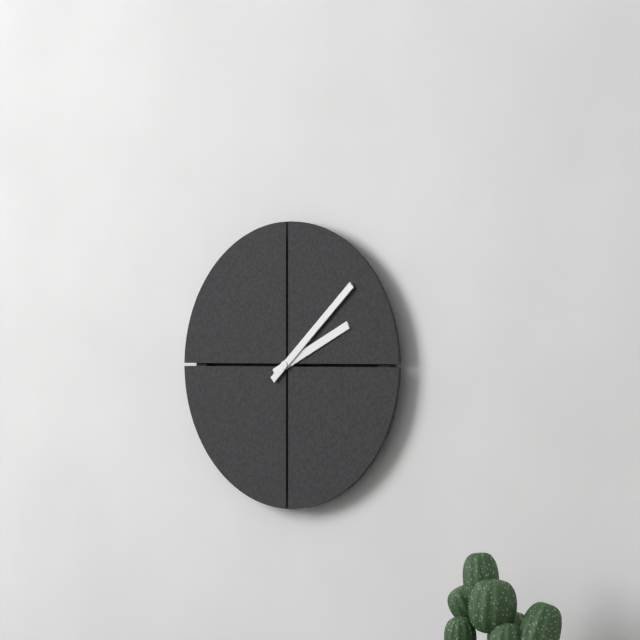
2:08
